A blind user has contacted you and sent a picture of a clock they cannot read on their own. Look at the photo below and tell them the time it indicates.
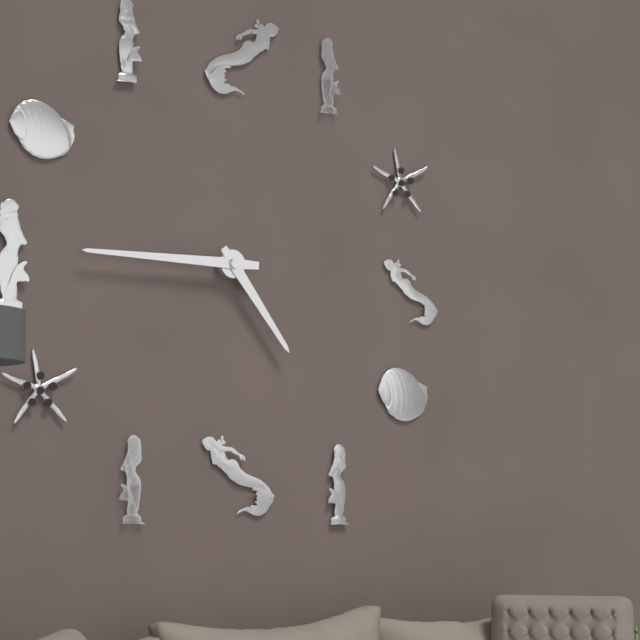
4:45
